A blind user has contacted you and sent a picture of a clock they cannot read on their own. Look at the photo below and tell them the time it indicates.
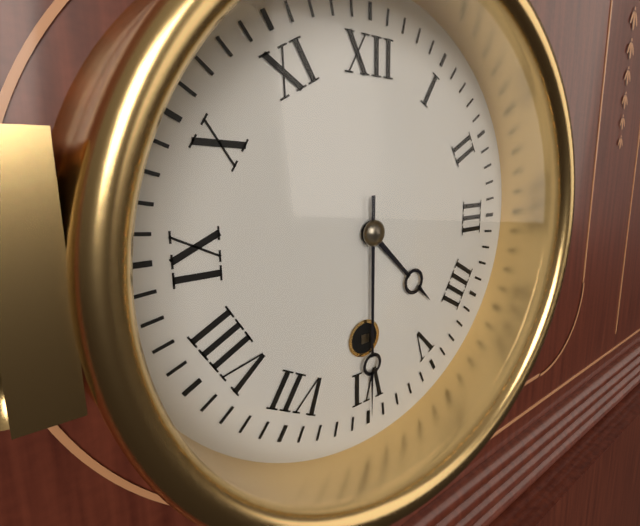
4:30
